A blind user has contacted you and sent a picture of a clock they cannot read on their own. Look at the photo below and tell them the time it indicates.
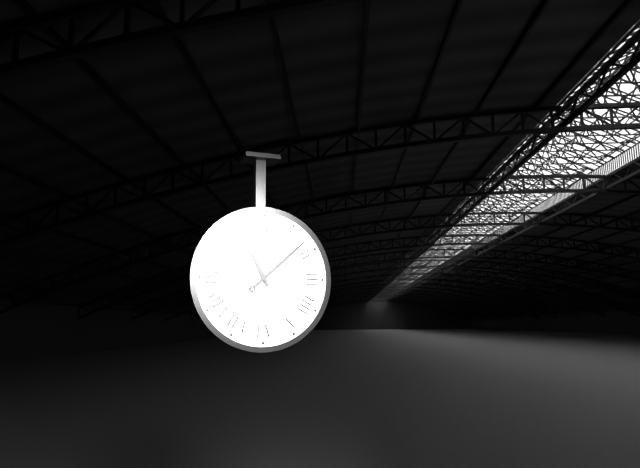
11:08
